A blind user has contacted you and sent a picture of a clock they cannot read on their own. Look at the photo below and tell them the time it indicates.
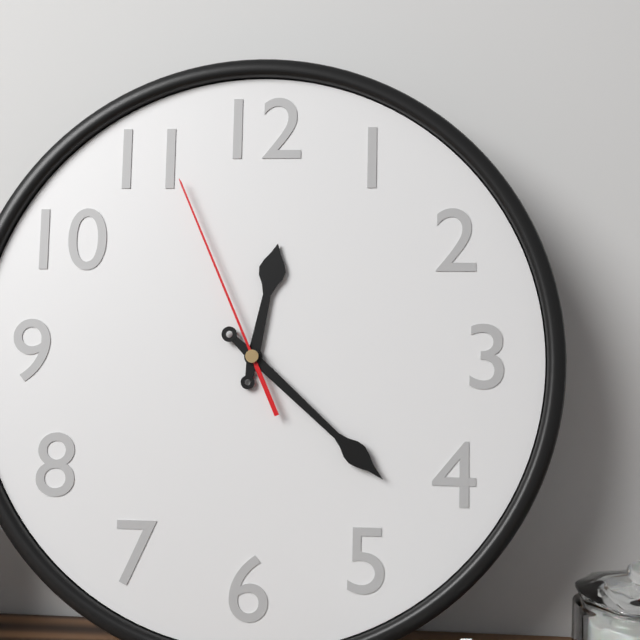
12:22:56
